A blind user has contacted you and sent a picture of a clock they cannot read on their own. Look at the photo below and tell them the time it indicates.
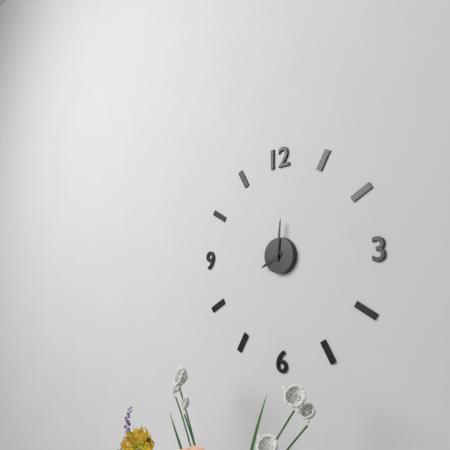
8:01
